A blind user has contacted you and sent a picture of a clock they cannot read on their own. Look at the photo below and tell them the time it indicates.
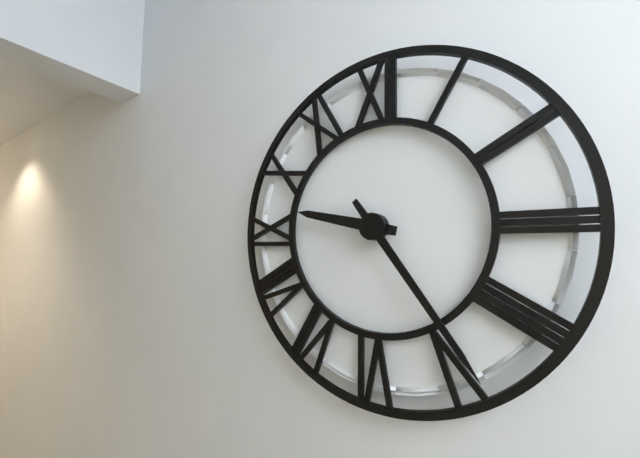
9:24
